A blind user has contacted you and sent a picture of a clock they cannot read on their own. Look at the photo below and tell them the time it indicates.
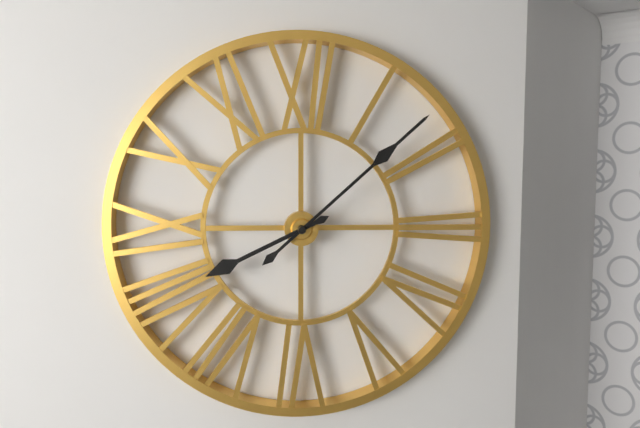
8:08
